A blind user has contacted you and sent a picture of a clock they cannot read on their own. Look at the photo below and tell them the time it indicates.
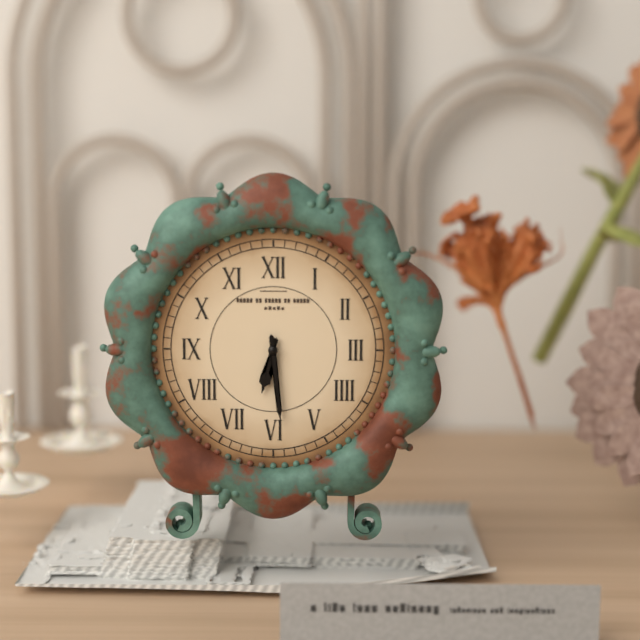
6:29
